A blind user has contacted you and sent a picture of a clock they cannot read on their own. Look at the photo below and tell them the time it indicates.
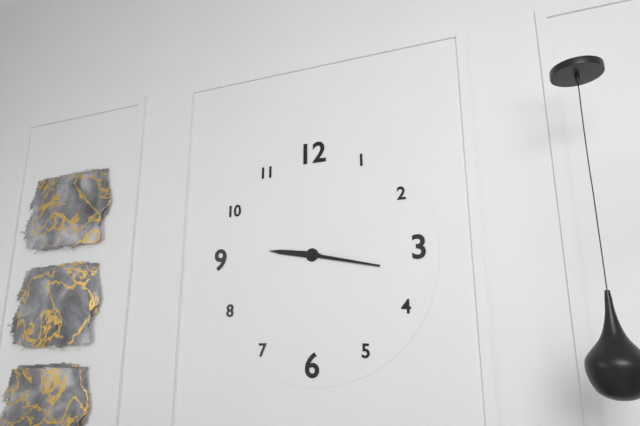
9:17
